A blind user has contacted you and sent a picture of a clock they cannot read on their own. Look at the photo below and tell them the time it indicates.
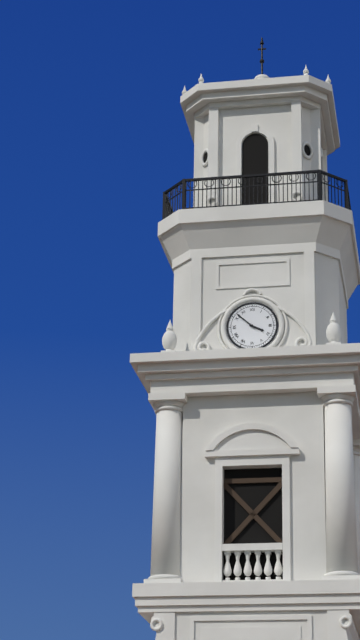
3:52
